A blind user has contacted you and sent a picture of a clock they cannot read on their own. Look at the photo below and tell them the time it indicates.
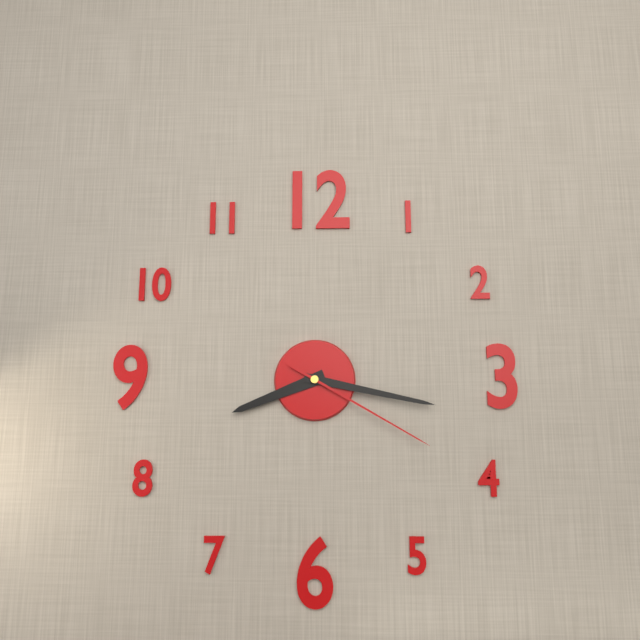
8:17:20
